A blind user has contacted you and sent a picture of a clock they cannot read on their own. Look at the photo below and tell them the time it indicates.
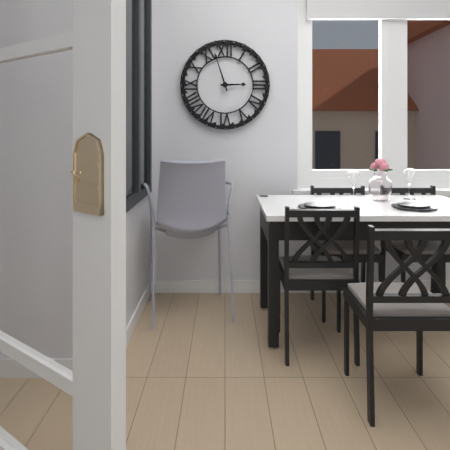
2:57
